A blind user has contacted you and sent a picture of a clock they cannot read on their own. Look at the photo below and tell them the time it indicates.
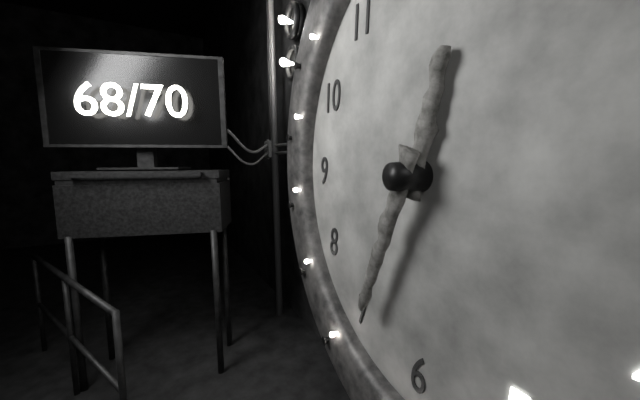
12:34
